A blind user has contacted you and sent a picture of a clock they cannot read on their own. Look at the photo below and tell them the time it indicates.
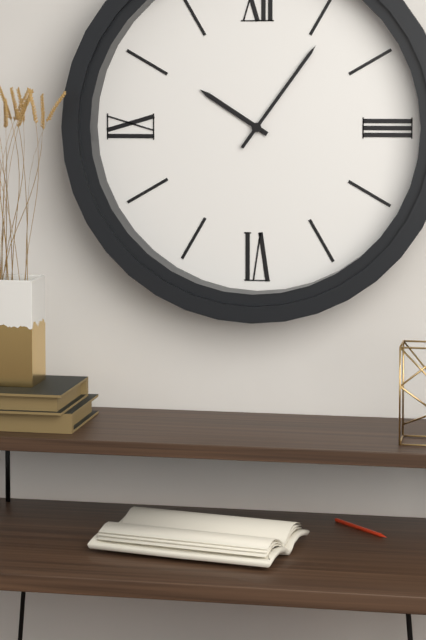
10:06
